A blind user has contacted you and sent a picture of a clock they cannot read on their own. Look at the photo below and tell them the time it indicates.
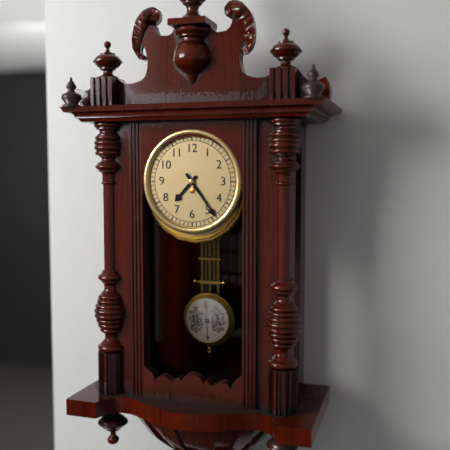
7:24
